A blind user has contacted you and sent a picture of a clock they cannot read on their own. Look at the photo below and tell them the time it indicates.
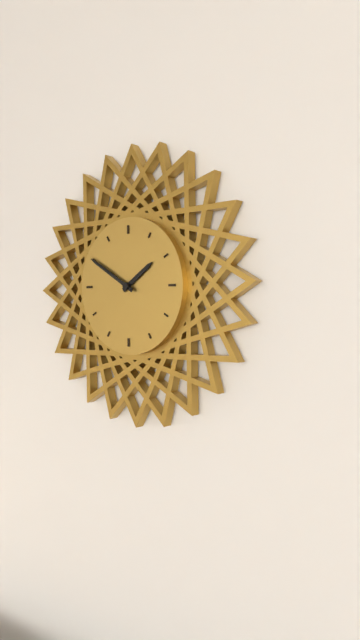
1:50
